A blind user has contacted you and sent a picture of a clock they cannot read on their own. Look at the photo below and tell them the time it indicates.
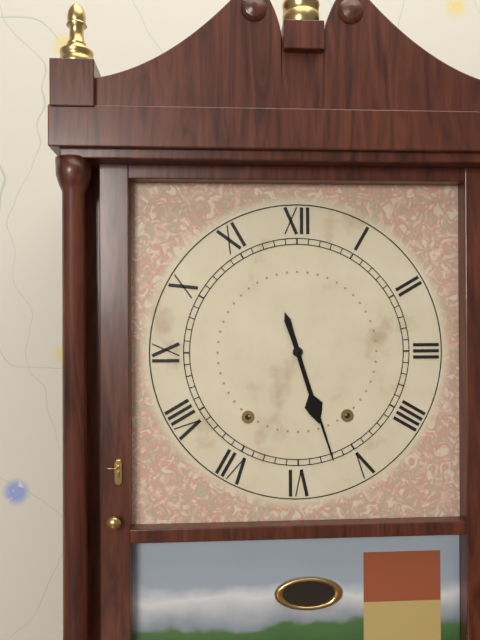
5:27
